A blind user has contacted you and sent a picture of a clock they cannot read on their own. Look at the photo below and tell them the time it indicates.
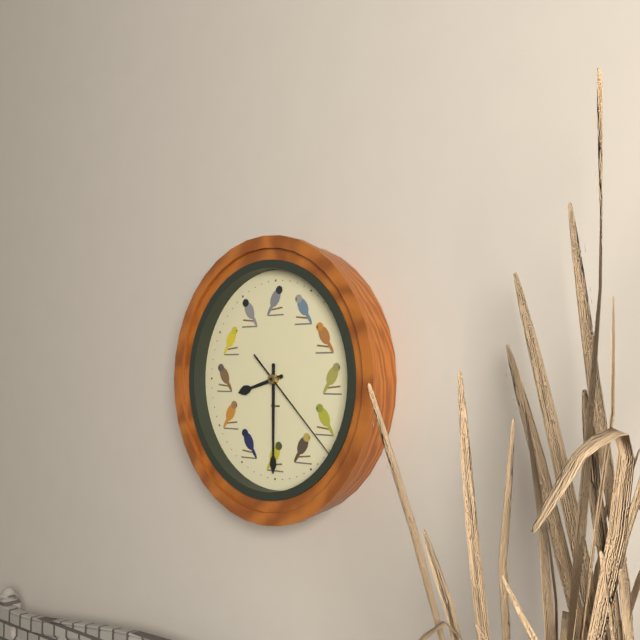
8:30:22
